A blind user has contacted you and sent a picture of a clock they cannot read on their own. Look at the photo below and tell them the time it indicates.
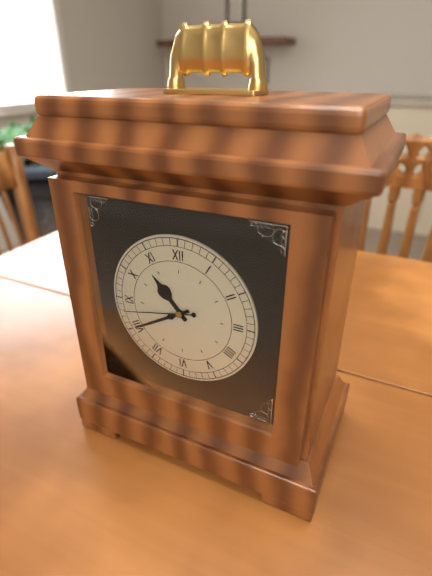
10:40:43
